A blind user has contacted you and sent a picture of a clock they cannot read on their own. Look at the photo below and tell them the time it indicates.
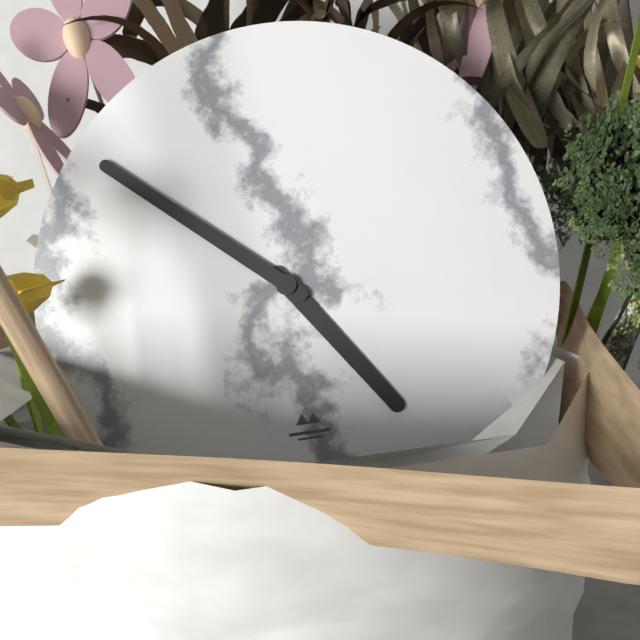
4:52
